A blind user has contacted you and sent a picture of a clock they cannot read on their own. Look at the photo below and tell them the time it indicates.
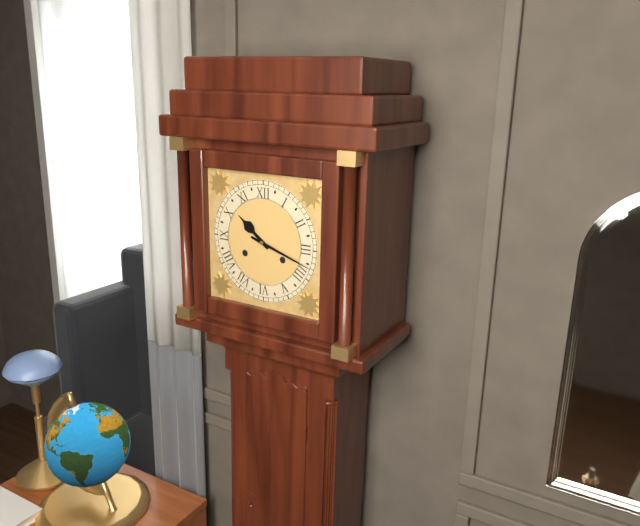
10:18
